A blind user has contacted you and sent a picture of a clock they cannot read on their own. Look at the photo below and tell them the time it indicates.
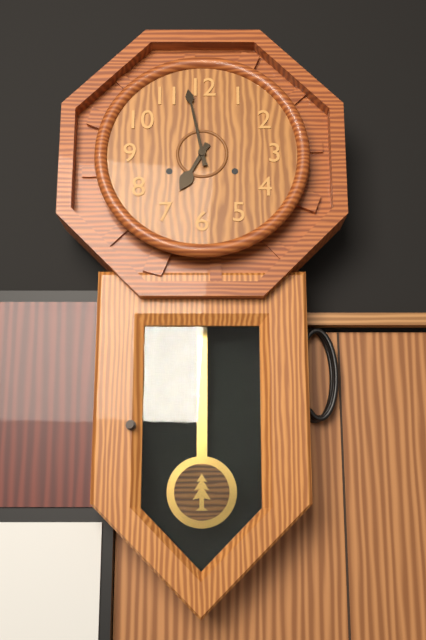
6:58
